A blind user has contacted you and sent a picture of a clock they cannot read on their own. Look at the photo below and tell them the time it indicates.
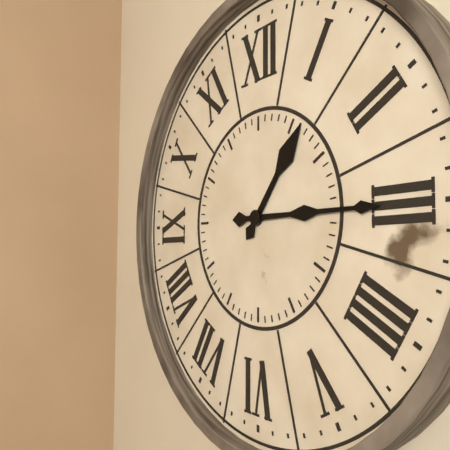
1:15
